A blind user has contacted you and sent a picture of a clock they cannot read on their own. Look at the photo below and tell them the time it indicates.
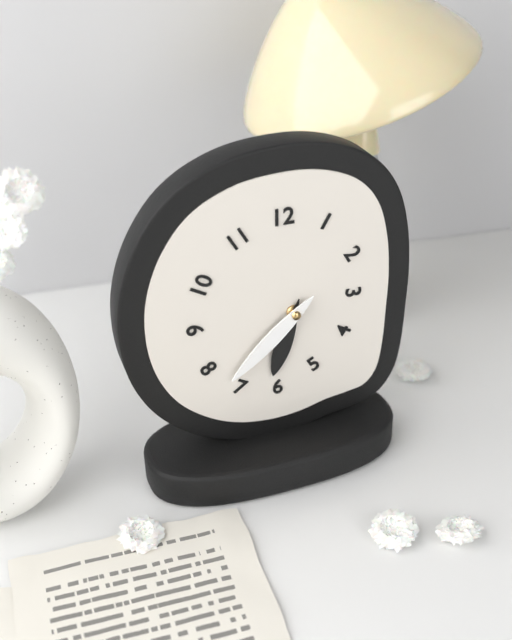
6:38
